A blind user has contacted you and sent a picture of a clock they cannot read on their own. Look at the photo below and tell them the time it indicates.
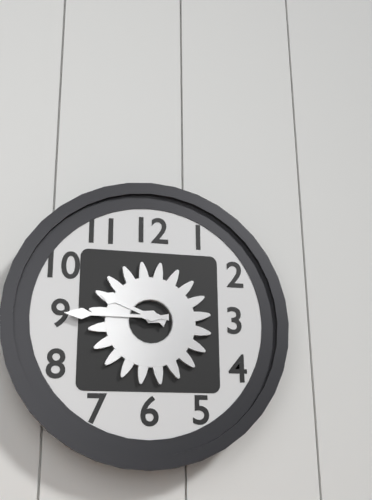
9:45
